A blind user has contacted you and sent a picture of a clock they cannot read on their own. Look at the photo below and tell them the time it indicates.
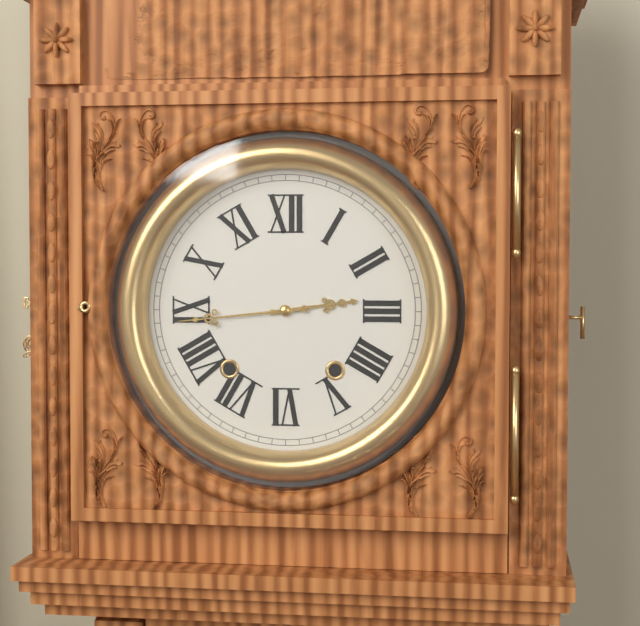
2:44
